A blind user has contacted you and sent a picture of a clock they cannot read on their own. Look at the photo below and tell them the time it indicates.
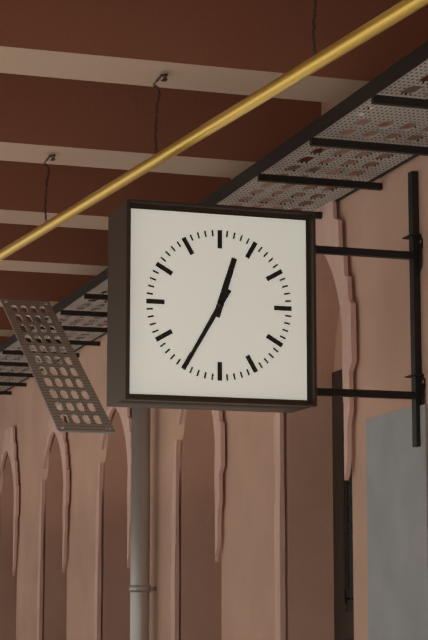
12:35
